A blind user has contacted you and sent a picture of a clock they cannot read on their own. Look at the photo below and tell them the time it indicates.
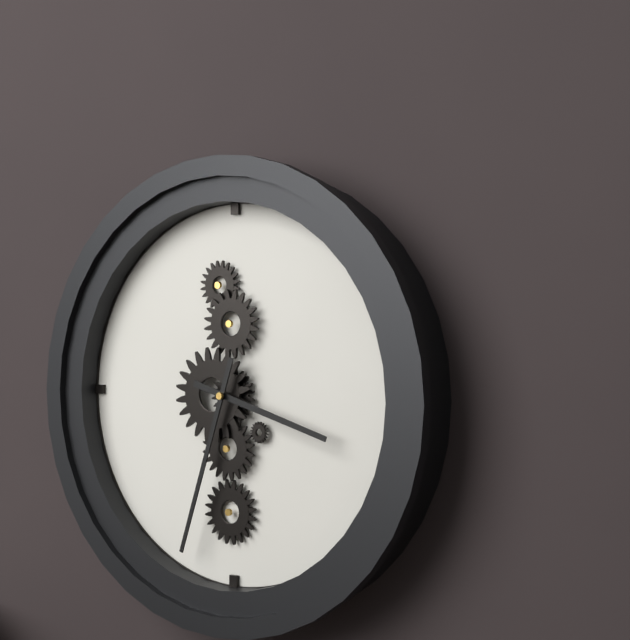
3:33
